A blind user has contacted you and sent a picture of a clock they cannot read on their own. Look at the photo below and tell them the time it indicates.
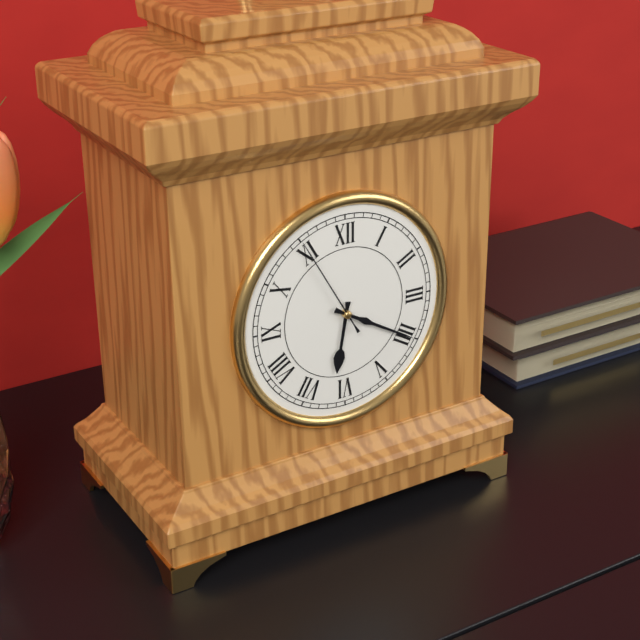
6:20:55
